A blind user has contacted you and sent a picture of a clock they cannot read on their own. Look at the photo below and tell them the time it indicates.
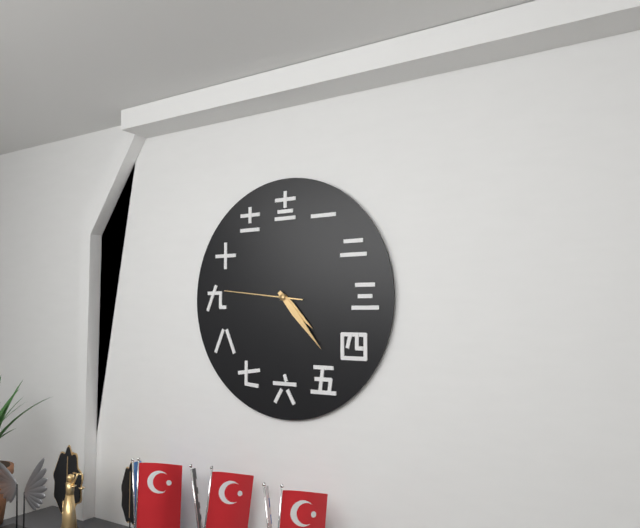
4:23:46
